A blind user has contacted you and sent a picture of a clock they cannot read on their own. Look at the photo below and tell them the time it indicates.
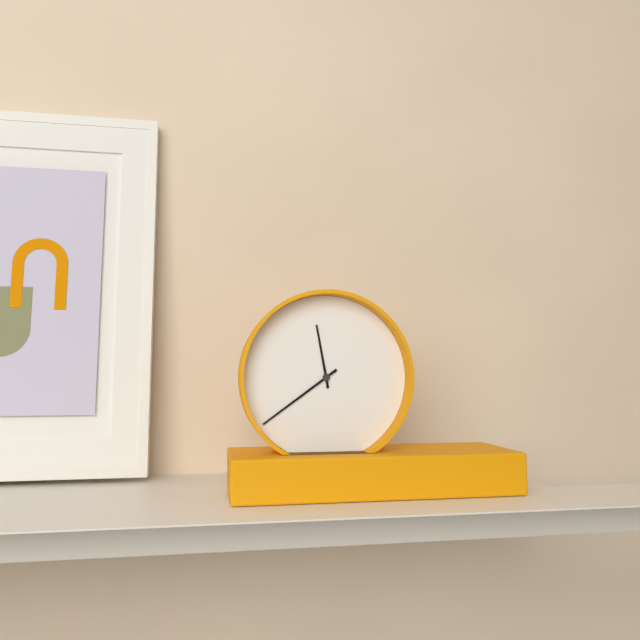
11:39
